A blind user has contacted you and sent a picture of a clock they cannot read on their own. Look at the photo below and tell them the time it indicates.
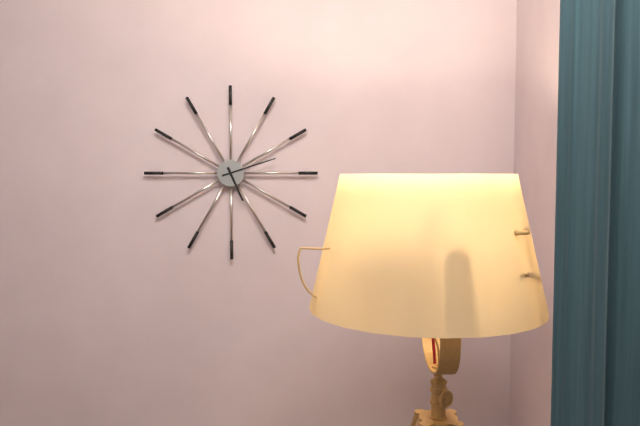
5:12
